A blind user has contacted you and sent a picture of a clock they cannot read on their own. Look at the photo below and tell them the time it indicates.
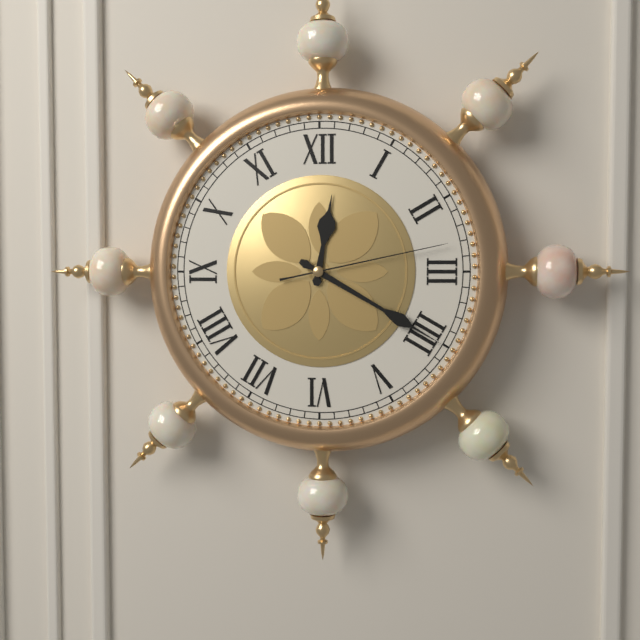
12:20:13
